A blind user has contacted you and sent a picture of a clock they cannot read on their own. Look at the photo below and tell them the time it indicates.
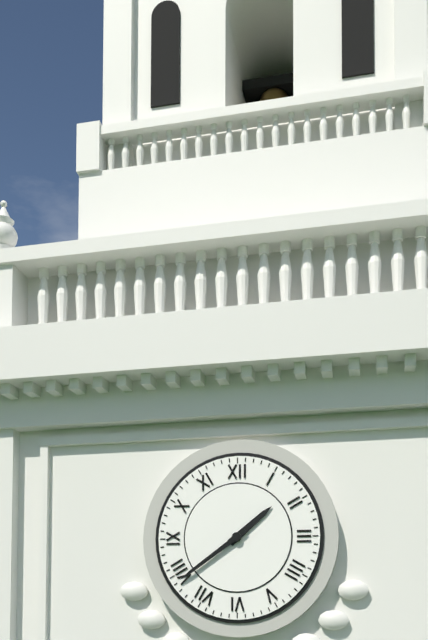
1:39
